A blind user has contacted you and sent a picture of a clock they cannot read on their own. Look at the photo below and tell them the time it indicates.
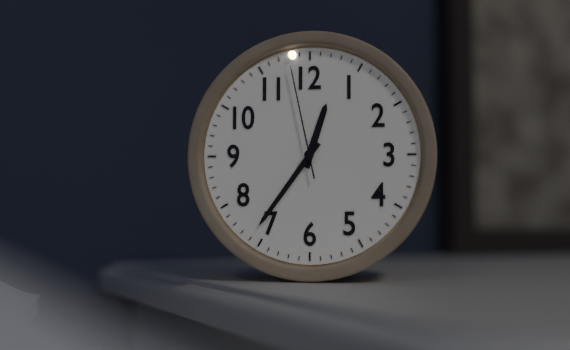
12:36:58
